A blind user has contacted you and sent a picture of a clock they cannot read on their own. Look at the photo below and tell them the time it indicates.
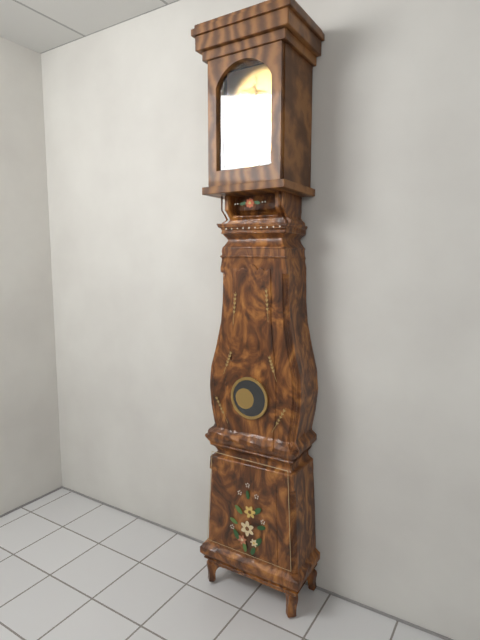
3:32
